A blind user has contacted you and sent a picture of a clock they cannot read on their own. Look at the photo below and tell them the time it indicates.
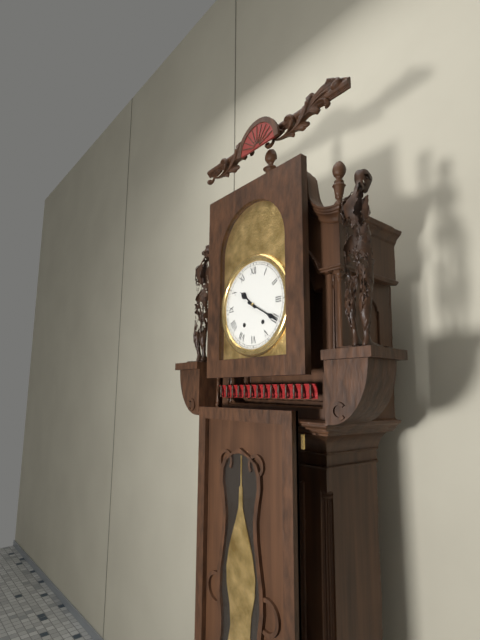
10:20
